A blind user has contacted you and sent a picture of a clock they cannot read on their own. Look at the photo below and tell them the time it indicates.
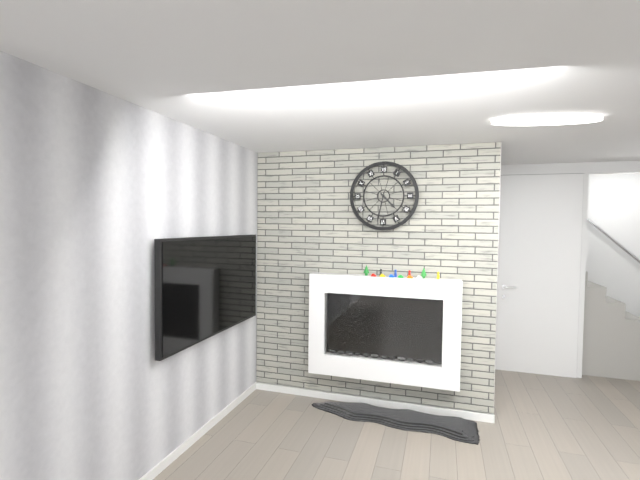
4:32
